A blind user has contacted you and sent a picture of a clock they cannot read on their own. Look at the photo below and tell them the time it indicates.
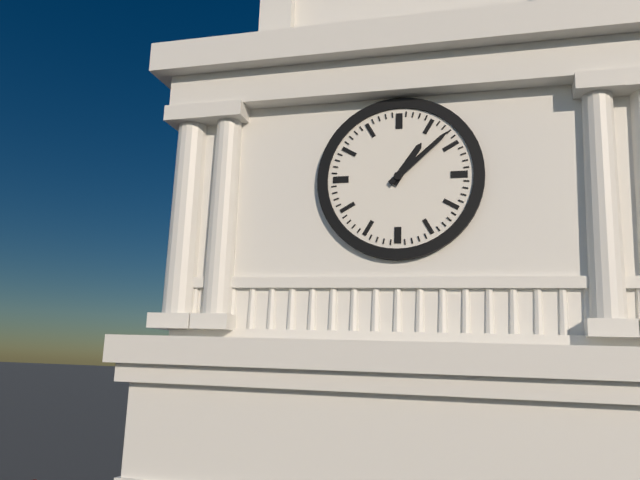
1:08
